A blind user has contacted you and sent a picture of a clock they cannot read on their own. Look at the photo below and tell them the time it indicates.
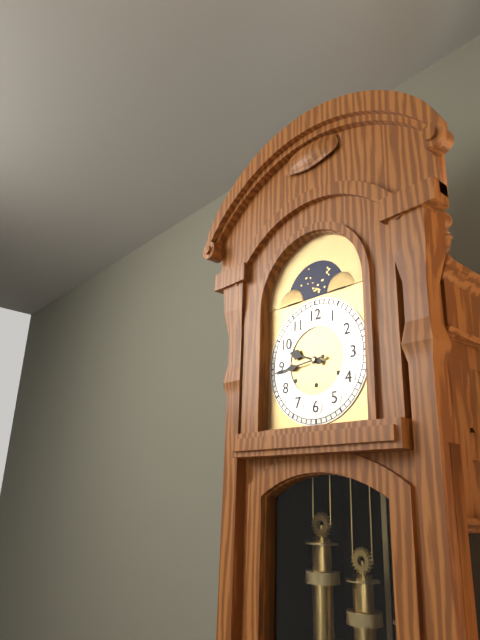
9:44
